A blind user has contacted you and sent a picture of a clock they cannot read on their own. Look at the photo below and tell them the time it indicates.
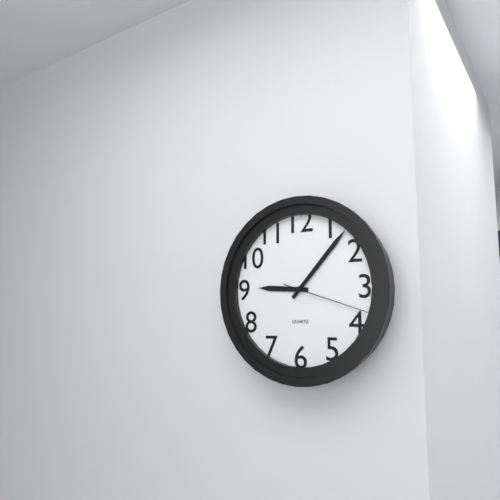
9:07:18
